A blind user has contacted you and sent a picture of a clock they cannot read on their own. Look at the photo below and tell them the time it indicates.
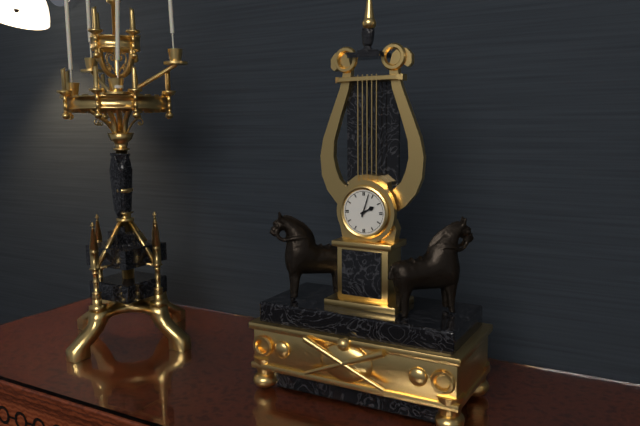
2:03
